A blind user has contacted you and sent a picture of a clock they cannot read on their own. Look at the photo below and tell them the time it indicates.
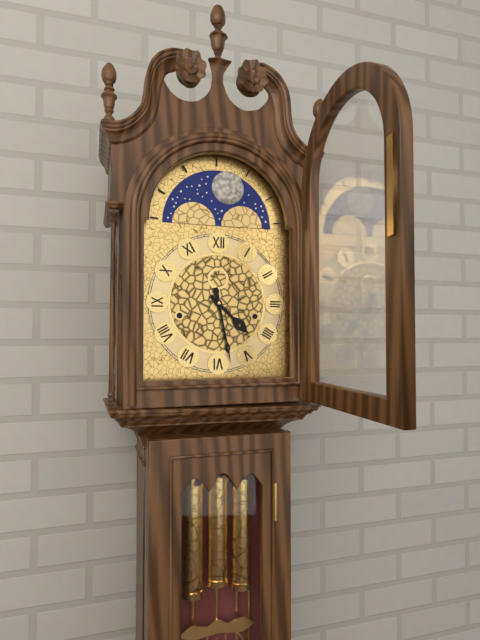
4:28
